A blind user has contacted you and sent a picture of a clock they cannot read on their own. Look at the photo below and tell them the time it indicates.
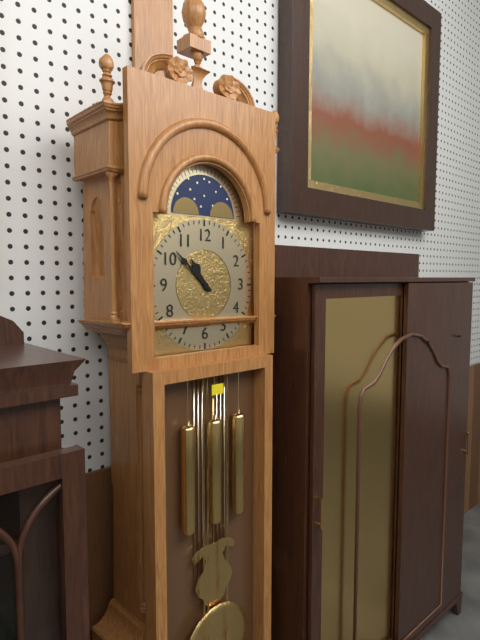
10:52
